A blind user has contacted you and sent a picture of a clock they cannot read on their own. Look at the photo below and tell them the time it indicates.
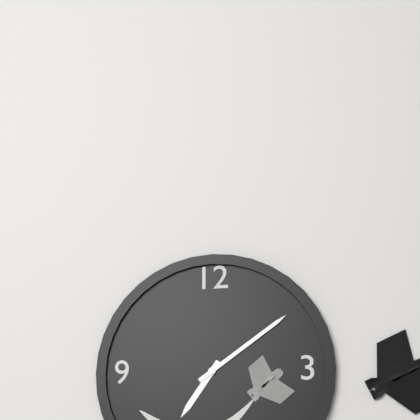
7:09
